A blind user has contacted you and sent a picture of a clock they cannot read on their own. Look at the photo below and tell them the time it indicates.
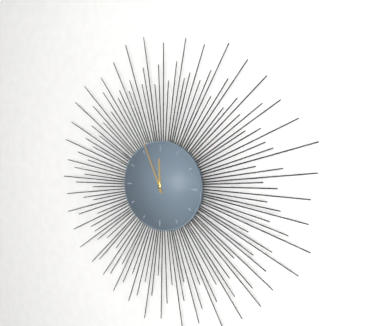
11:56
